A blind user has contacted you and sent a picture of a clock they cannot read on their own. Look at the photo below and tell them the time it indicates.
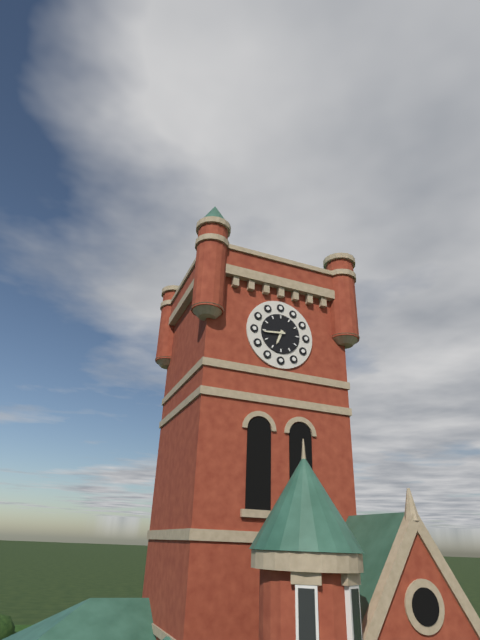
6:44
